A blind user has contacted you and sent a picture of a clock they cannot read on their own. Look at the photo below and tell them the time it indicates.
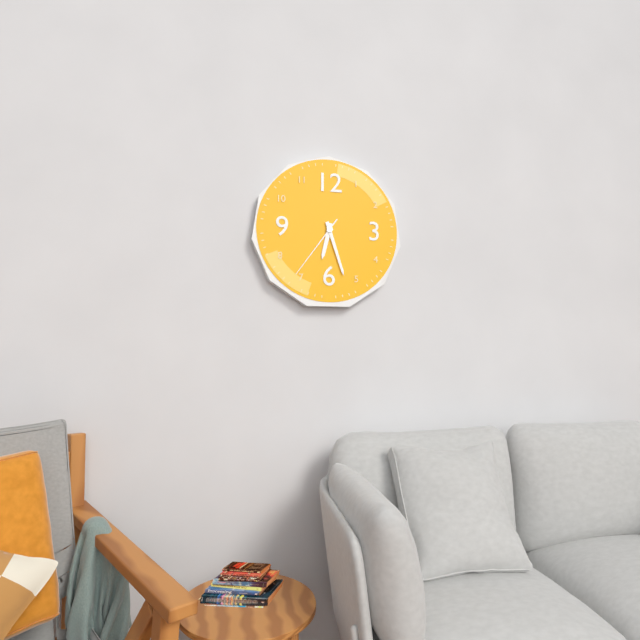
6:27:36
